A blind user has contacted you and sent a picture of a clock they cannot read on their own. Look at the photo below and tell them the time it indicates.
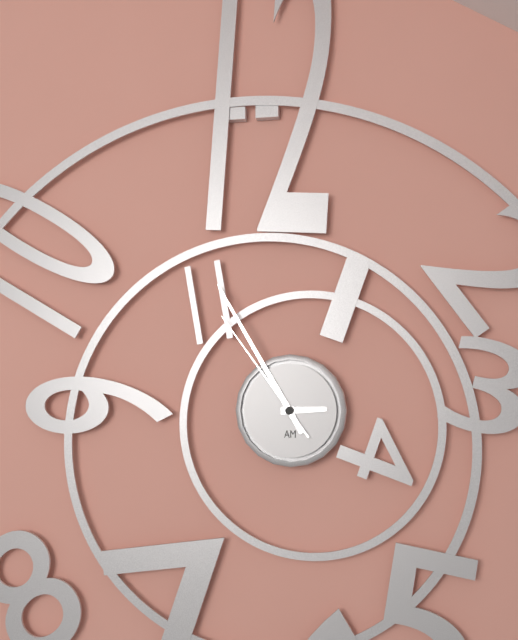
2:55:54
